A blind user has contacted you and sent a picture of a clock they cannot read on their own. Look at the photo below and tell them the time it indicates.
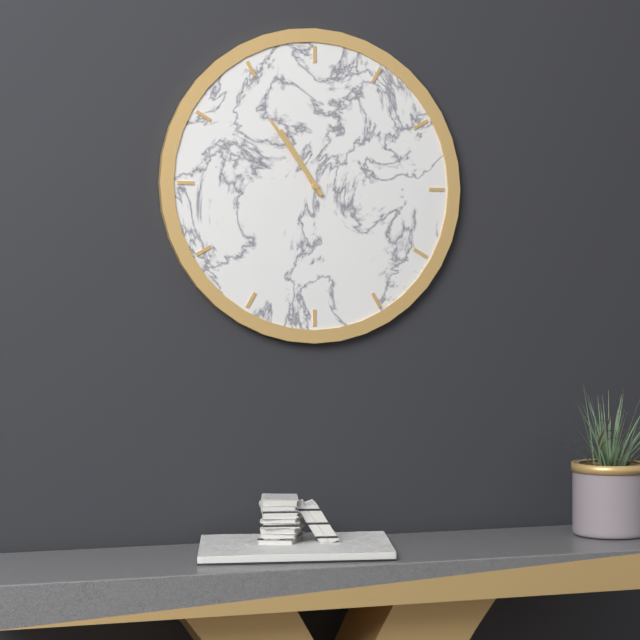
10:54
